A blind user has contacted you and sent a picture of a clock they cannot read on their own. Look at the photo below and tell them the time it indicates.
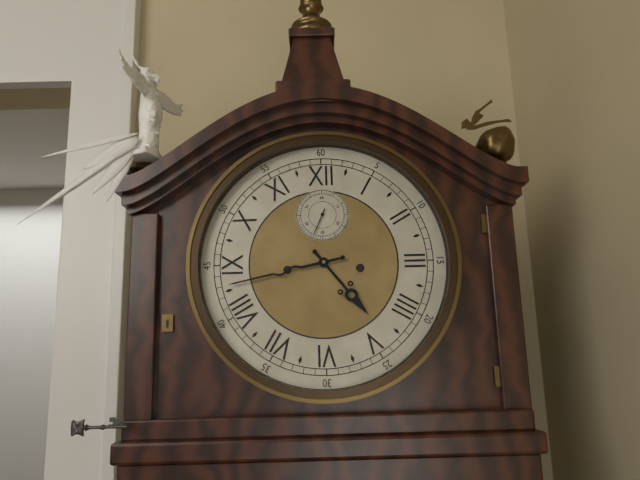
4:43
